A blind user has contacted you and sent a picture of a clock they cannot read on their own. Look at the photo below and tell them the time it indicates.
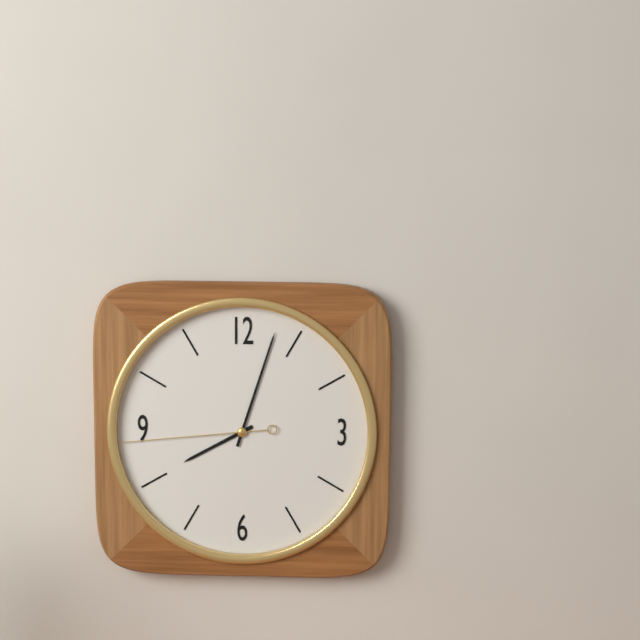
8:03:44
